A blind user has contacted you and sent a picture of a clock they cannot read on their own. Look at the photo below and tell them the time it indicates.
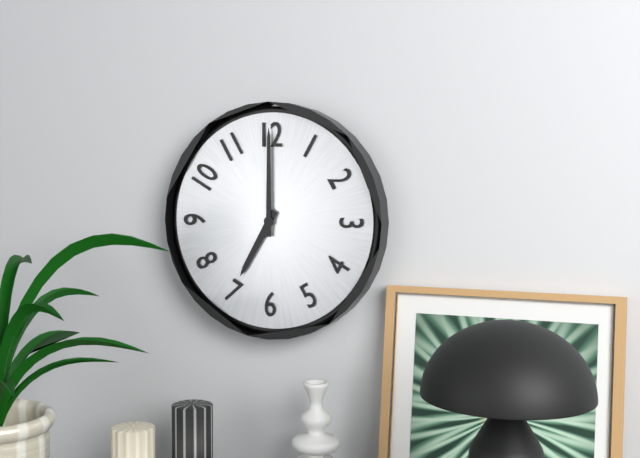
7:00
